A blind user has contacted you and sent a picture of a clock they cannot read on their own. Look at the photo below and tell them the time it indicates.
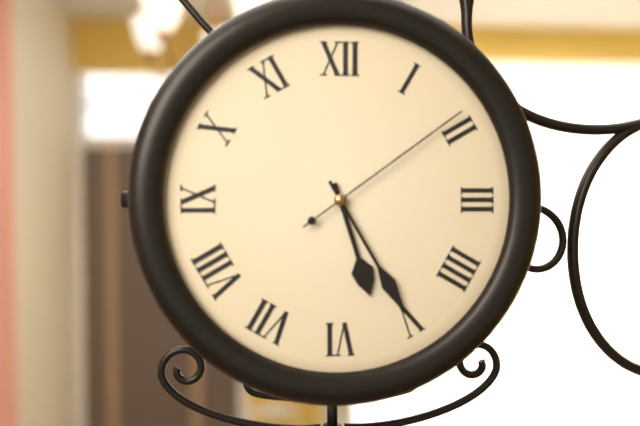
5:25:09
